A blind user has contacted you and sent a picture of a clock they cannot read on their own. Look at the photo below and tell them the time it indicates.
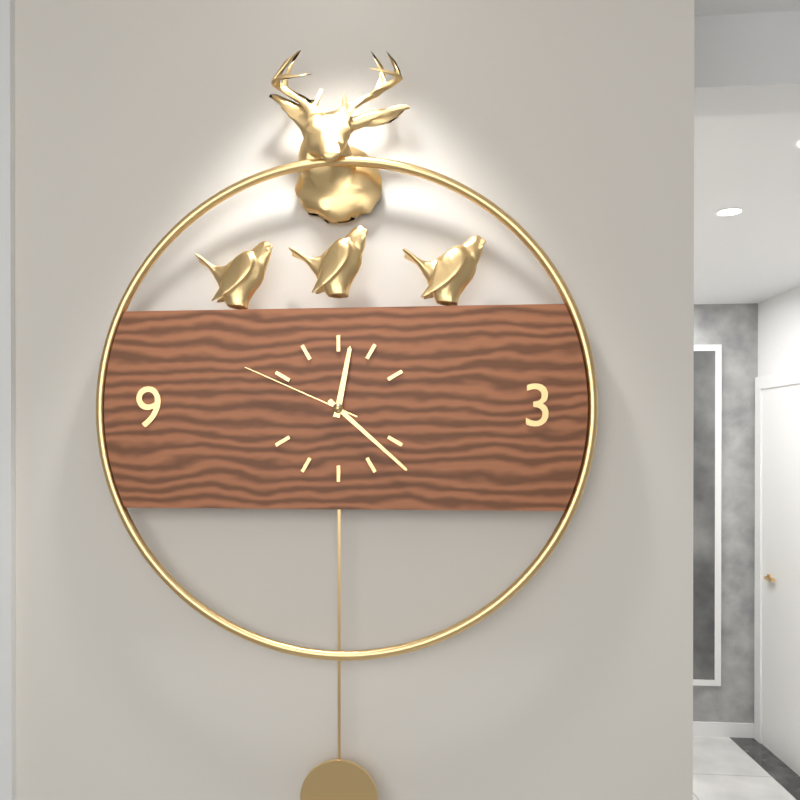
12:22:49
